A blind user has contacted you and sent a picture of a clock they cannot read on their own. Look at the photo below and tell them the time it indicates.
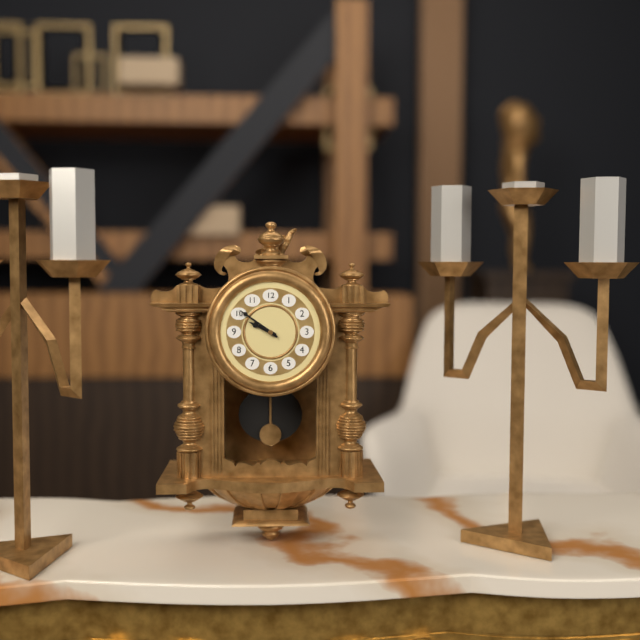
9:51
